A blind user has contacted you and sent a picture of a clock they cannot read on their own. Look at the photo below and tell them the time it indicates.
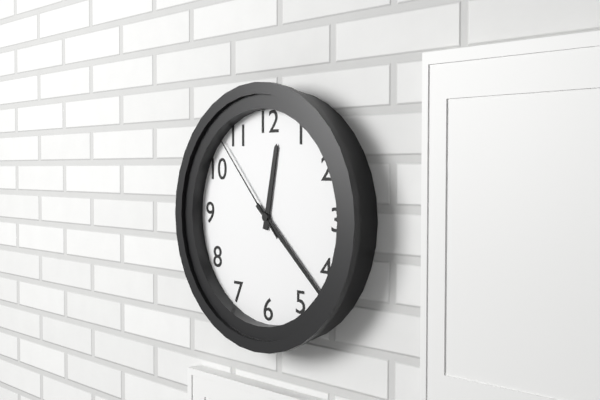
12:22:53
